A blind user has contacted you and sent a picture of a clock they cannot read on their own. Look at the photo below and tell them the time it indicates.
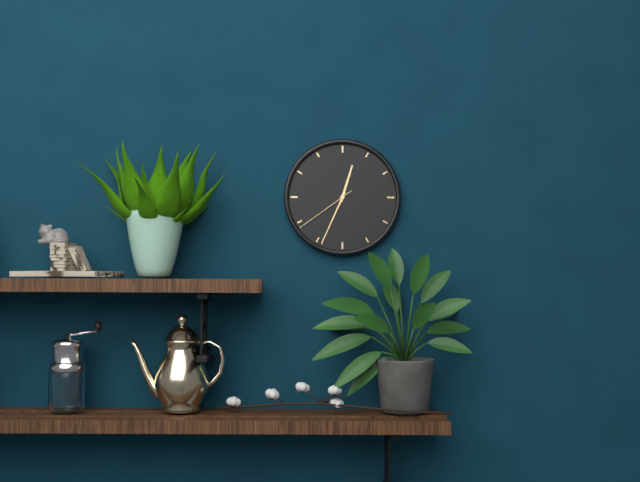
12:34:39
